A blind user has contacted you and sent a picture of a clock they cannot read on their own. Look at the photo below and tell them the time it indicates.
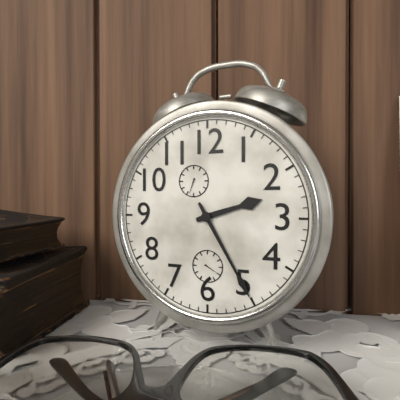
2:25
